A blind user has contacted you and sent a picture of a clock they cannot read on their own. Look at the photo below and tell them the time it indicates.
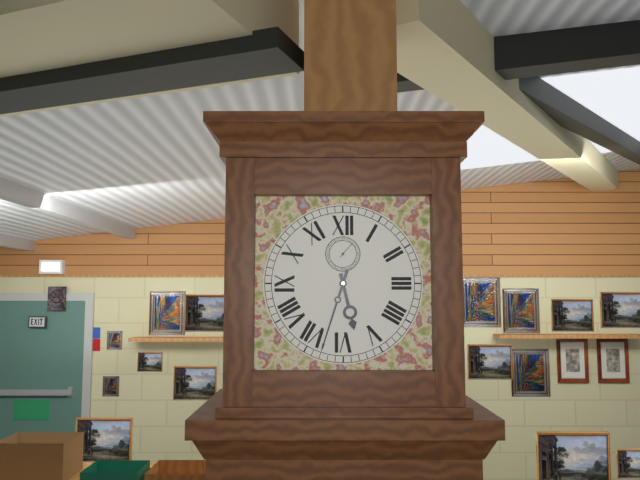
5:33
